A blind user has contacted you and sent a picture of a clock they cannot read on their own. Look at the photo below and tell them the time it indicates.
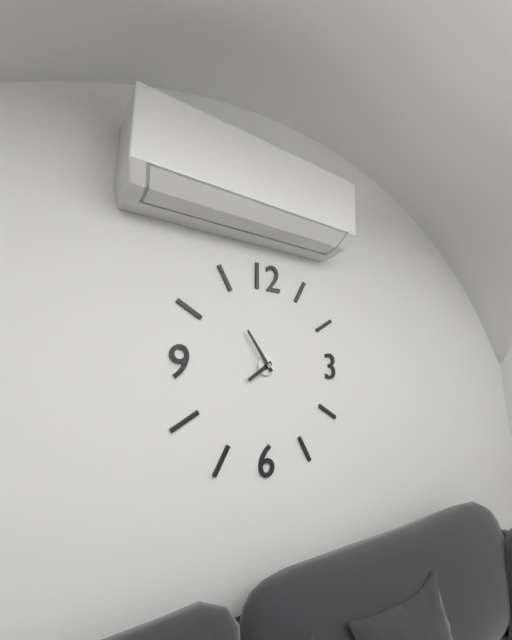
7:54
